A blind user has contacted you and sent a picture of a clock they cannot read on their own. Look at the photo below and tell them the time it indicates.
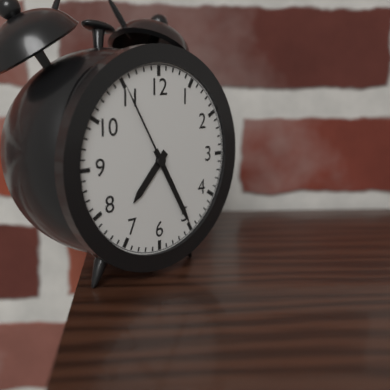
7:25:55
